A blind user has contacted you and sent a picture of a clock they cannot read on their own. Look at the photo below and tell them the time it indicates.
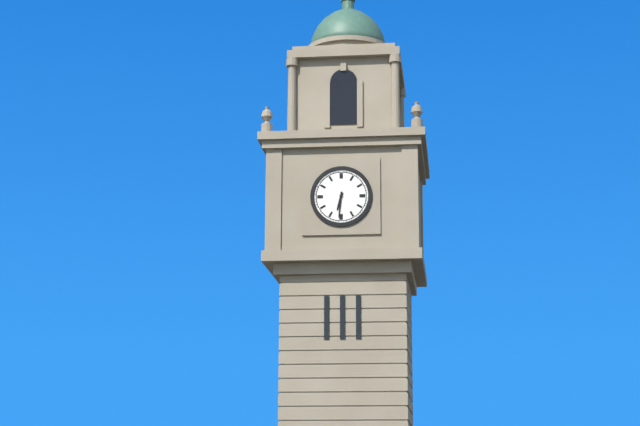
6:31
